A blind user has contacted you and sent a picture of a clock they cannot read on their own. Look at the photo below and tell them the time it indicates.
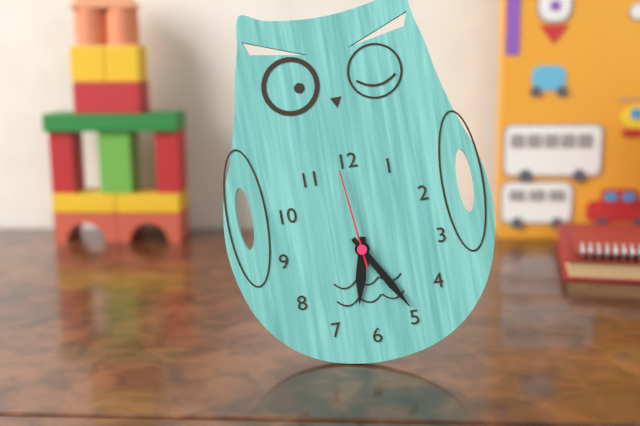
6:25:59
